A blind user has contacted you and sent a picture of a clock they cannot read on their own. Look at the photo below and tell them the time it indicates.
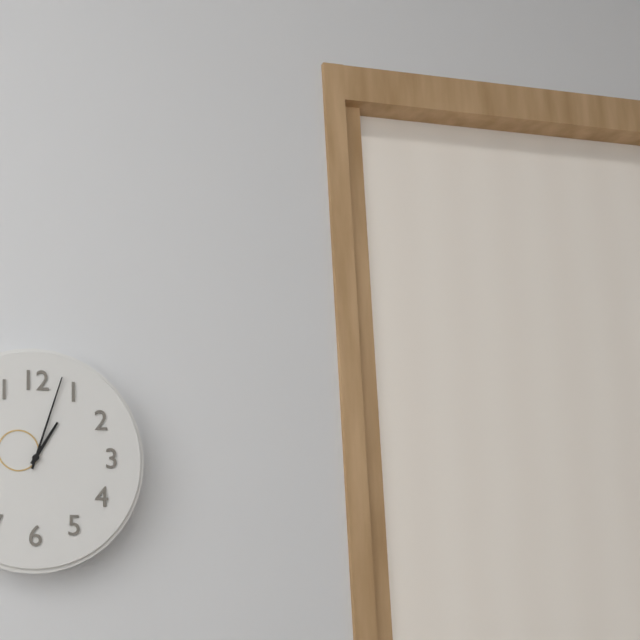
1:03
